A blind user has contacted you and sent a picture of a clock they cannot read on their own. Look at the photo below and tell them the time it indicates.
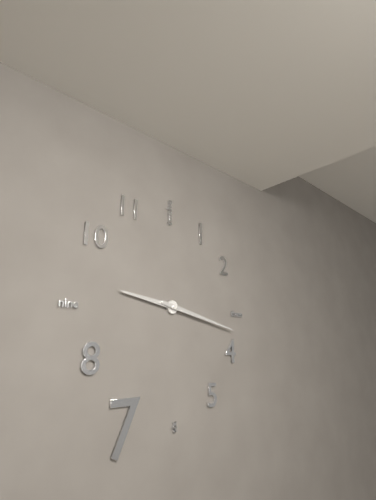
9:17
